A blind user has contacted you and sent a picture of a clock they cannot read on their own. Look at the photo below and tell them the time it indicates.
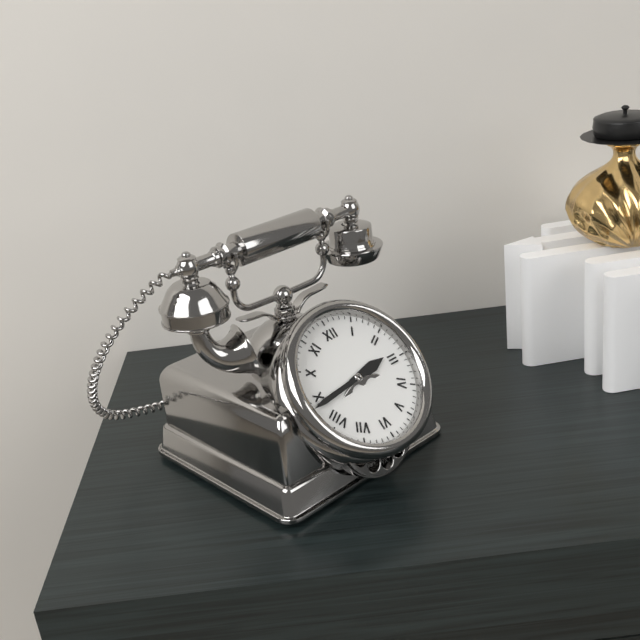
2:44
